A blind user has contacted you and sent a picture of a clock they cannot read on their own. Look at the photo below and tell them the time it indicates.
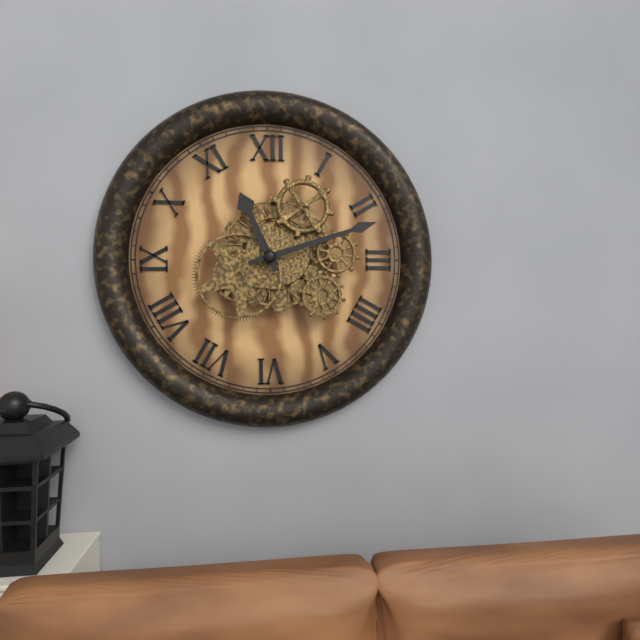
11:12
